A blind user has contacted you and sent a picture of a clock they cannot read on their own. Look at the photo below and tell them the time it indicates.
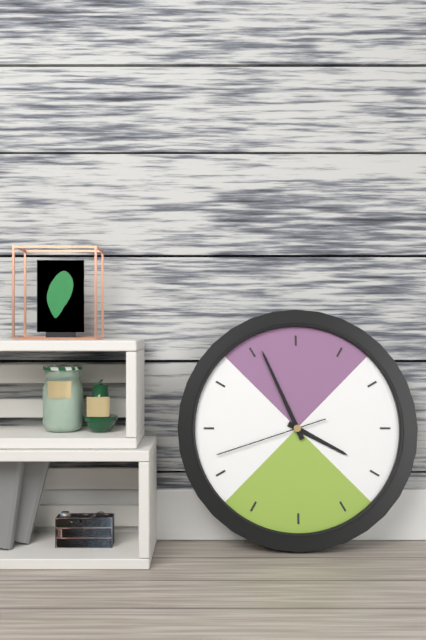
3:56:42
